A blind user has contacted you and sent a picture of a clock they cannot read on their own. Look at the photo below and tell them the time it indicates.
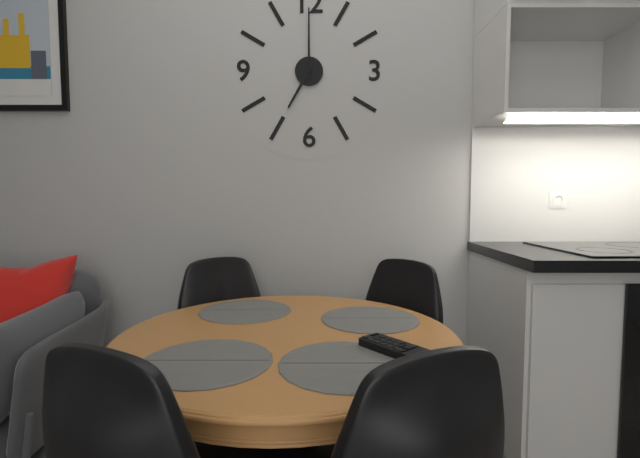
7:00
